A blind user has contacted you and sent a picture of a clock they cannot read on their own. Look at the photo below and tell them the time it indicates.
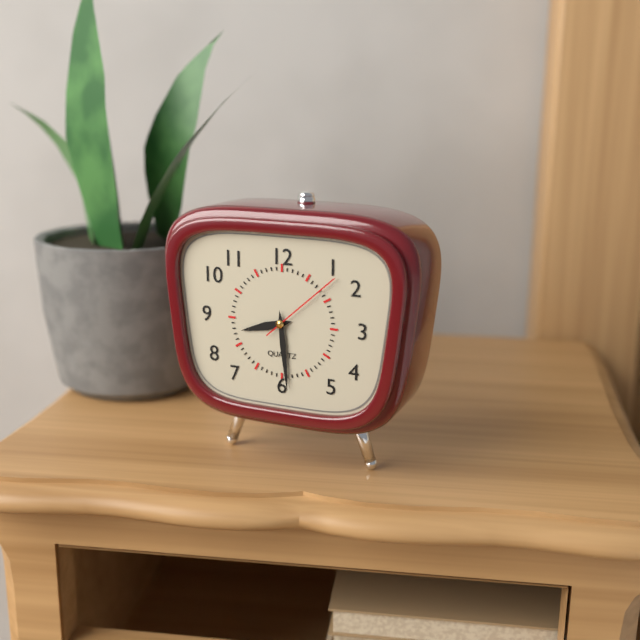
8:29:08
